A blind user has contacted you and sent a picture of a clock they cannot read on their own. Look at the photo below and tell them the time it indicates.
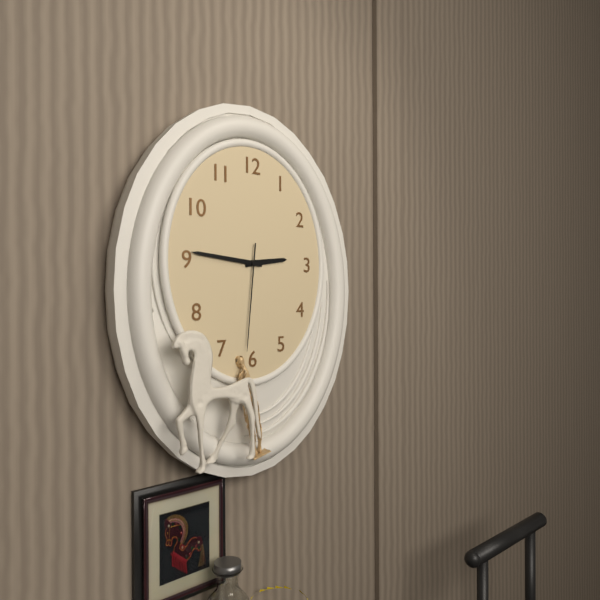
2:46:31
